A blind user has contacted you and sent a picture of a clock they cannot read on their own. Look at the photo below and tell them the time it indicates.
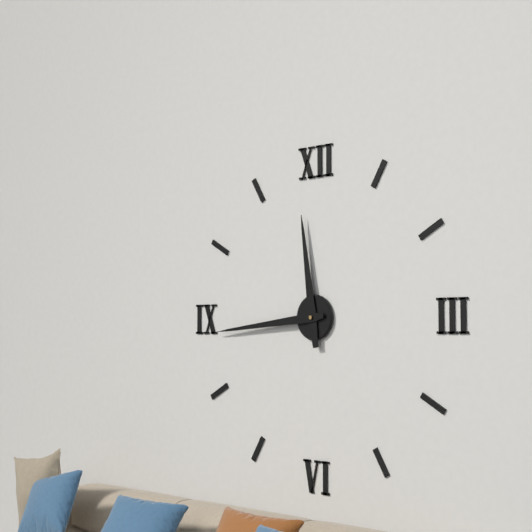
11:44
